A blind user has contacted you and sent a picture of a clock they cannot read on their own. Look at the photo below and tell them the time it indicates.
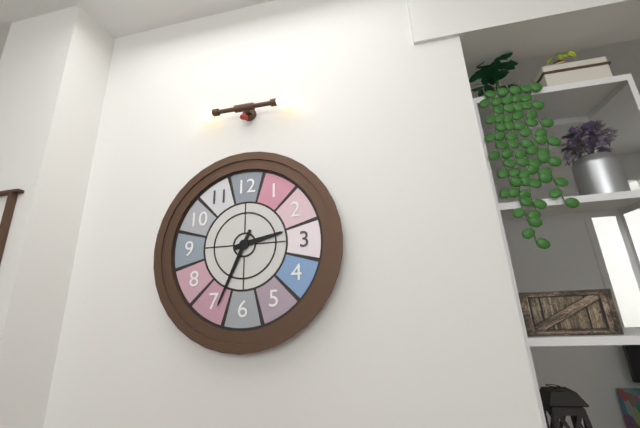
2:34
